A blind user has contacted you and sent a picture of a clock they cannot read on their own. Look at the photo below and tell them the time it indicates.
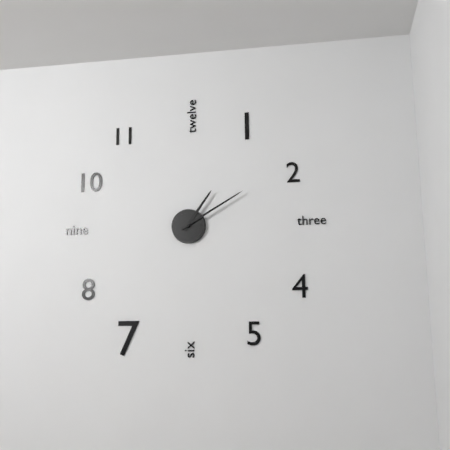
1:10
